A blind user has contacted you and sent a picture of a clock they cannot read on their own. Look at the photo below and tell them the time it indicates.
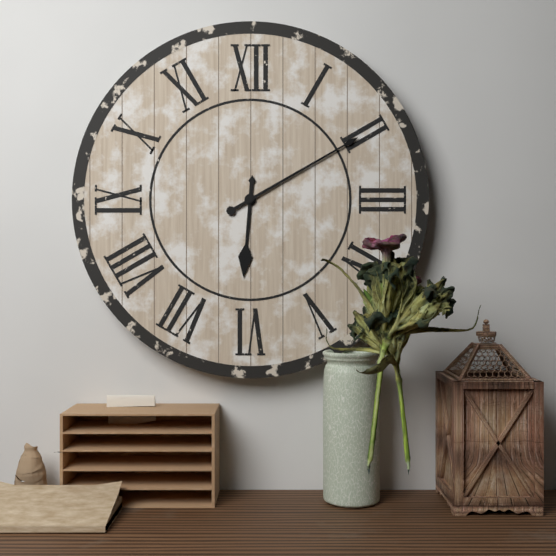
6:10
